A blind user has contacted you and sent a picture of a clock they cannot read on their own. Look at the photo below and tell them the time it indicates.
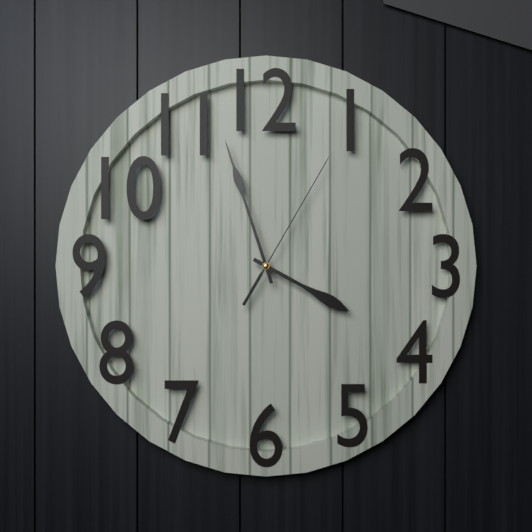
3:57:05
